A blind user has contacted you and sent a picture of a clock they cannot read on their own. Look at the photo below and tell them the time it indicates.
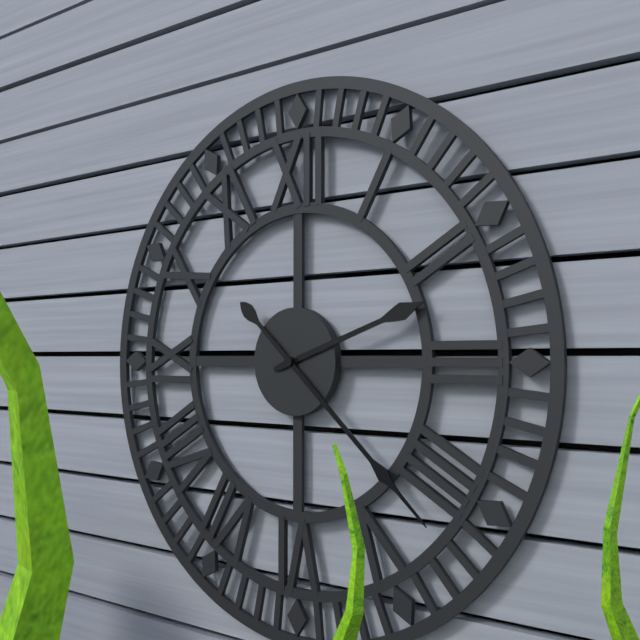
2:22
